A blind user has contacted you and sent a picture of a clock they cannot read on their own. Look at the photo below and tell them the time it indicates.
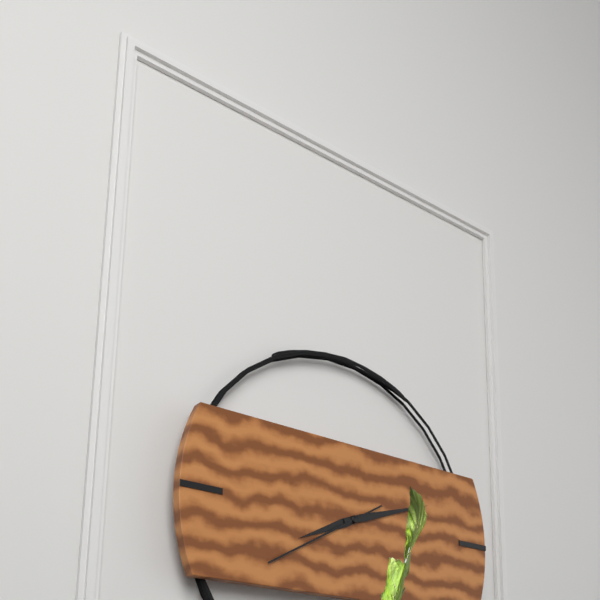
8:12:40
